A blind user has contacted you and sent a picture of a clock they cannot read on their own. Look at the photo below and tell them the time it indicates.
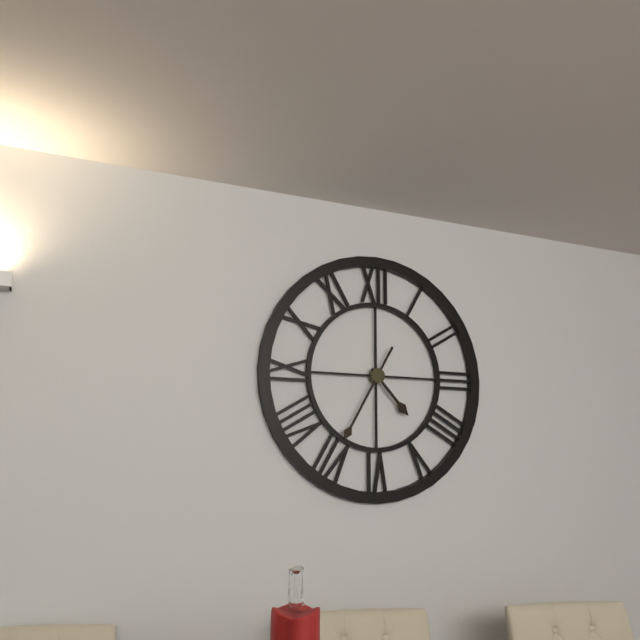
4:35
